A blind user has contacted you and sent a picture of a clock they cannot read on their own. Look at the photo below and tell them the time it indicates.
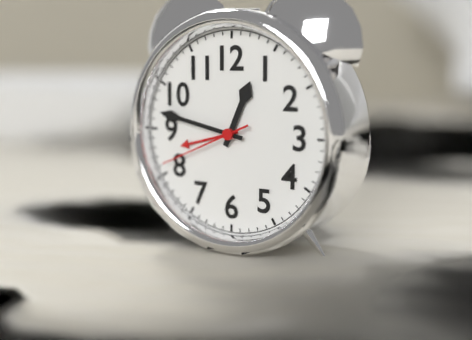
12:47:41
